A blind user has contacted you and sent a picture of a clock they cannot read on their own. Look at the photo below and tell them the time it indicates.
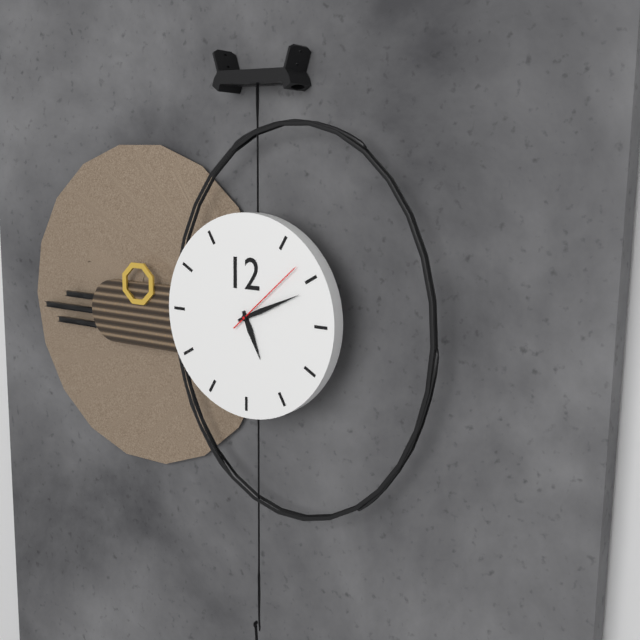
5:11:08
